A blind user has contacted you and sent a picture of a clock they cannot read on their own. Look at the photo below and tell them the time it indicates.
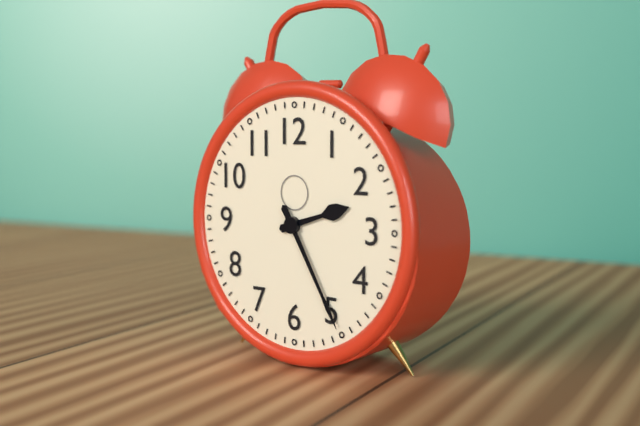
2:25
